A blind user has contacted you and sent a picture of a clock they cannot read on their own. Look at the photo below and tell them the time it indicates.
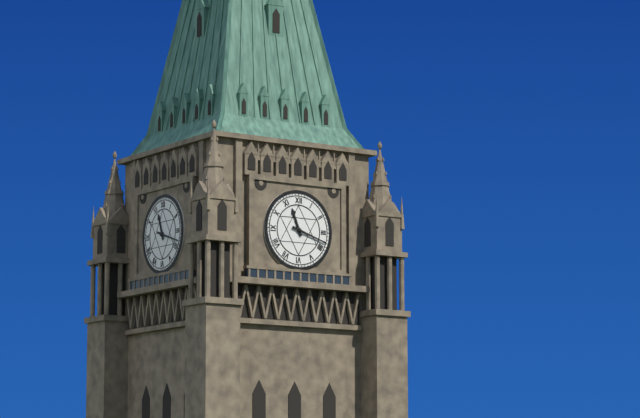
11:18
